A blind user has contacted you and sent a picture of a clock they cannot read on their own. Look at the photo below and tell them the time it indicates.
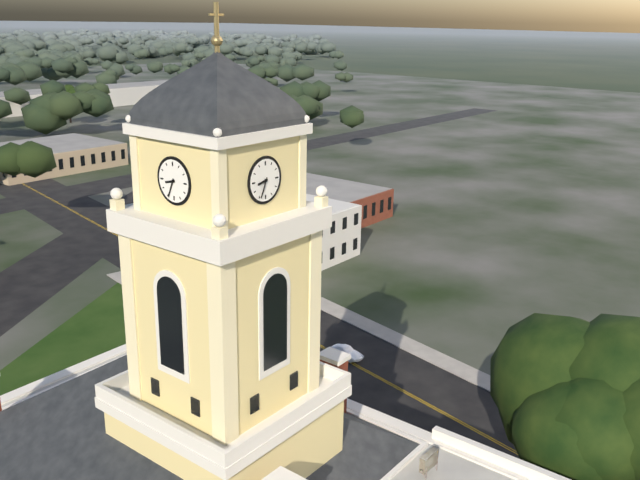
8:34
